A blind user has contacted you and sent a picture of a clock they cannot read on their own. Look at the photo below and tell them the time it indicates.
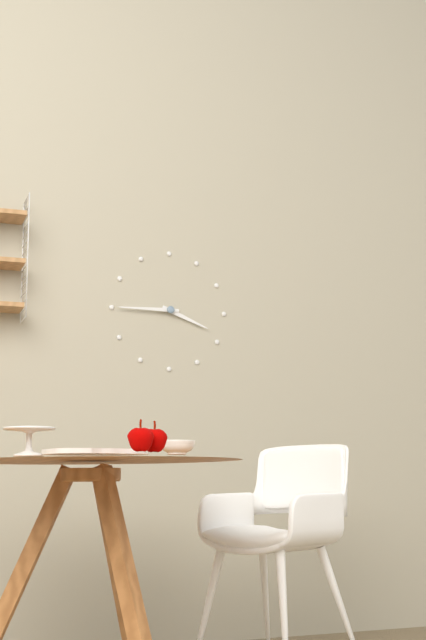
3:45
